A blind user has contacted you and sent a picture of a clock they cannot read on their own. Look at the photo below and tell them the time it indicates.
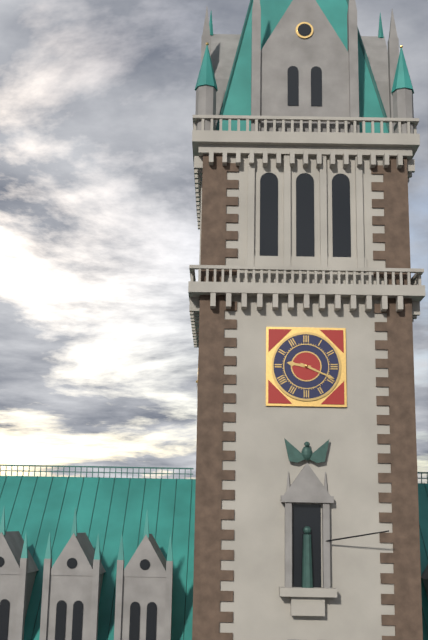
9:19
